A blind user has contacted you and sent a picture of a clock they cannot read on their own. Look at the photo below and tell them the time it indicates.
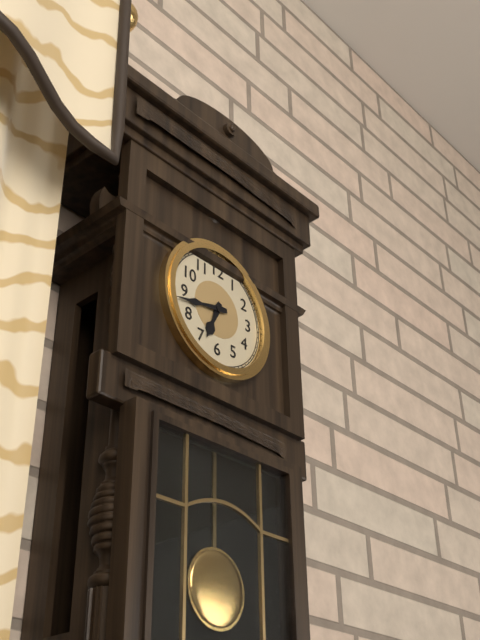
6:43
